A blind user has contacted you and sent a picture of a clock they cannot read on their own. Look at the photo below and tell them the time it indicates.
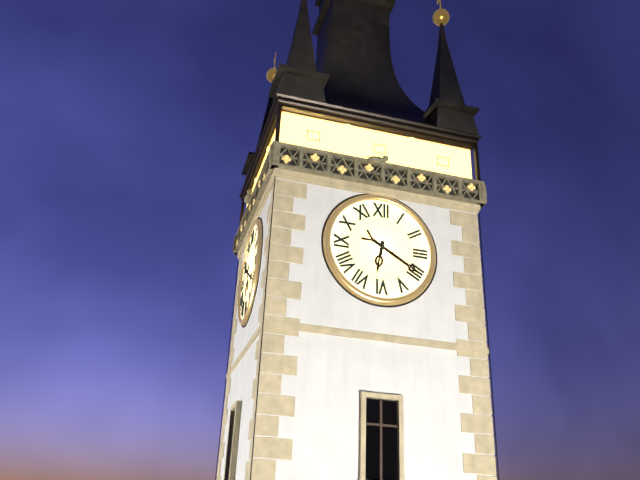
6:20
